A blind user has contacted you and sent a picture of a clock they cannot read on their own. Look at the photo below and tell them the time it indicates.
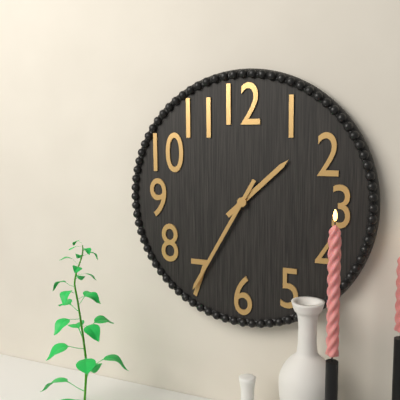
1:35
